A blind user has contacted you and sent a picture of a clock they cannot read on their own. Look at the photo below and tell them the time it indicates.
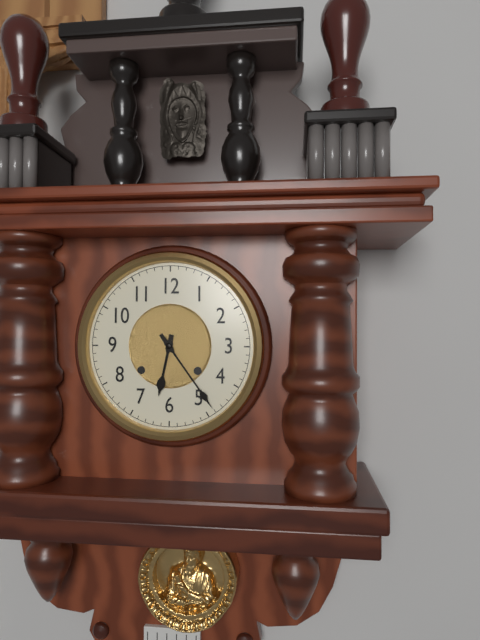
6:24
